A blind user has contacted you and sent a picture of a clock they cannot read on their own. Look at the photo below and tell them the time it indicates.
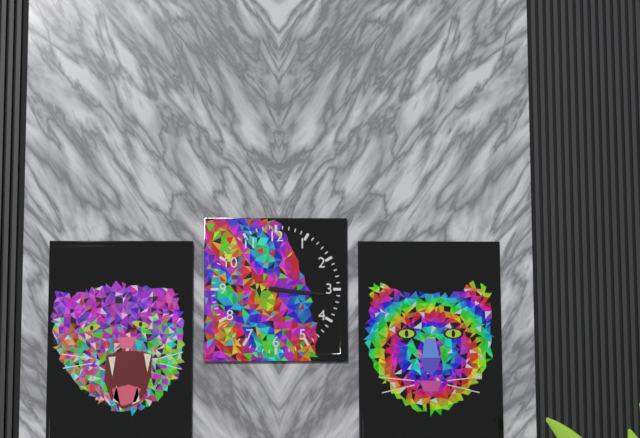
3:16
